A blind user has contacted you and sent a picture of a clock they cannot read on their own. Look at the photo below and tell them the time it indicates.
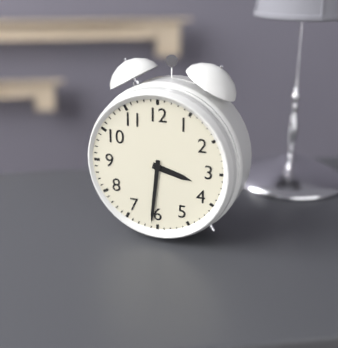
3:31
